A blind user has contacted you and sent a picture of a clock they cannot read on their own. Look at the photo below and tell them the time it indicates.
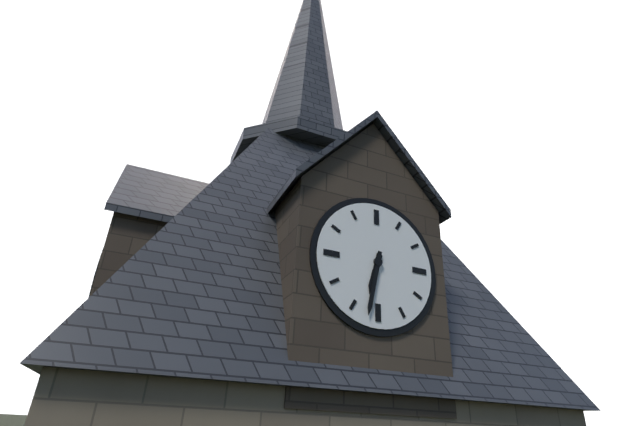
6:32
